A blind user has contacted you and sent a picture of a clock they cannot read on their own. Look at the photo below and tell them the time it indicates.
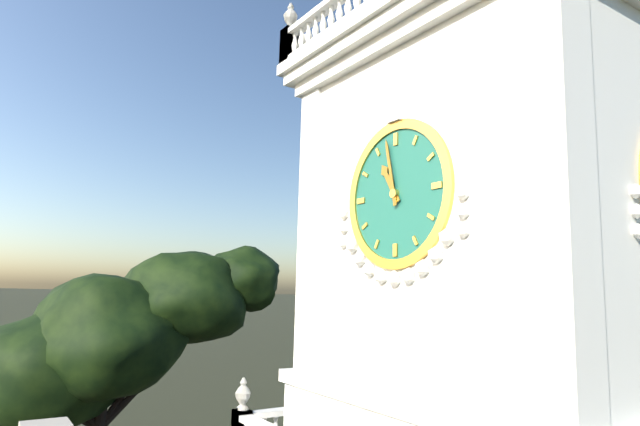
10:58
